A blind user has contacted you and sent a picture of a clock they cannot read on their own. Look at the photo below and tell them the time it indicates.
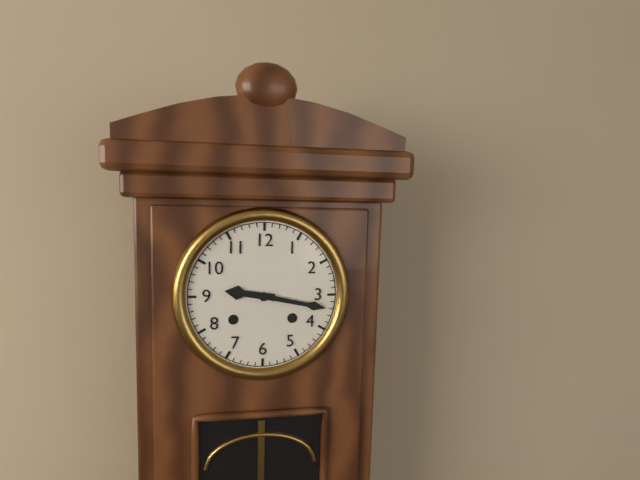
9:17
